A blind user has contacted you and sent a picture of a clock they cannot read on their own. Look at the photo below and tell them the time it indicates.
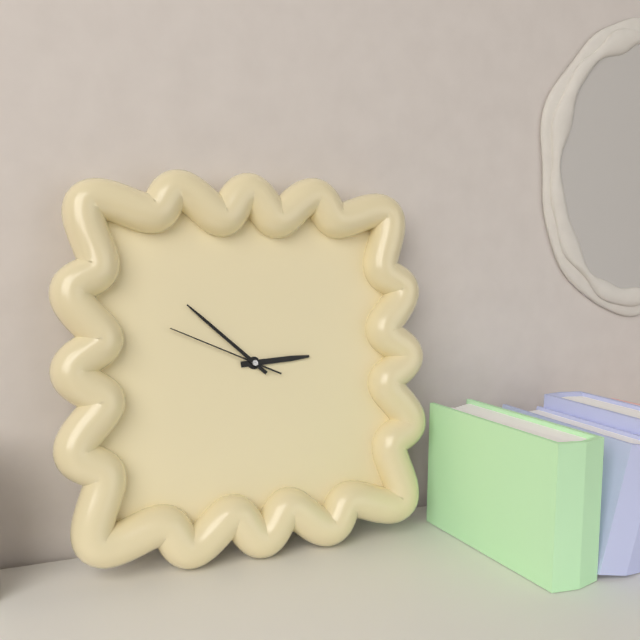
2:52:49
